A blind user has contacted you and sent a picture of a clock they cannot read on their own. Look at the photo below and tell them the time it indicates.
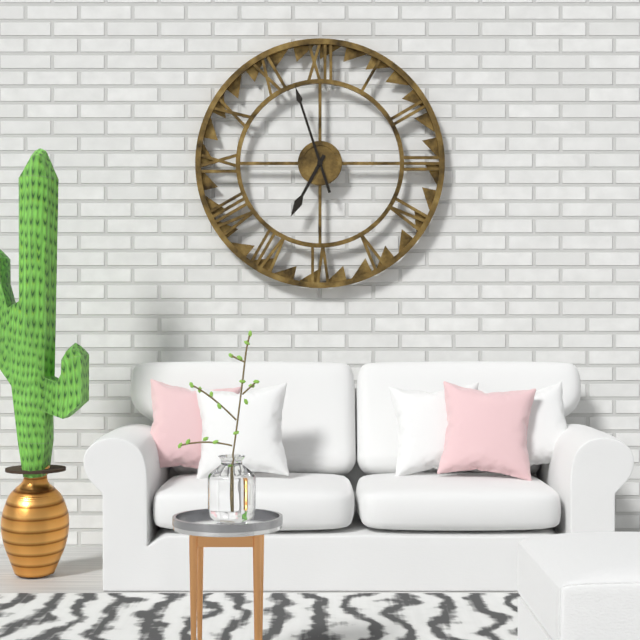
6:57
